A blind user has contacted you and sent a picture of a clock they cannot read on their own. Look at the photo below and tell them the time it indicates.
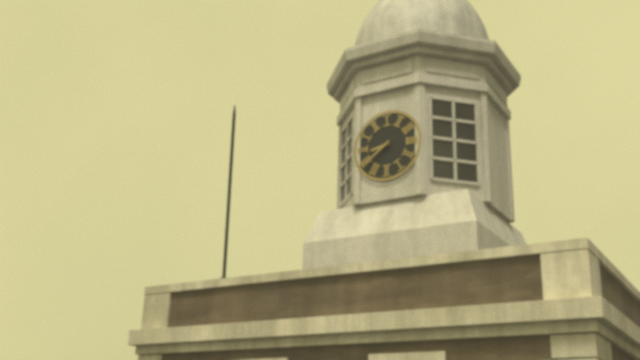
8:39
